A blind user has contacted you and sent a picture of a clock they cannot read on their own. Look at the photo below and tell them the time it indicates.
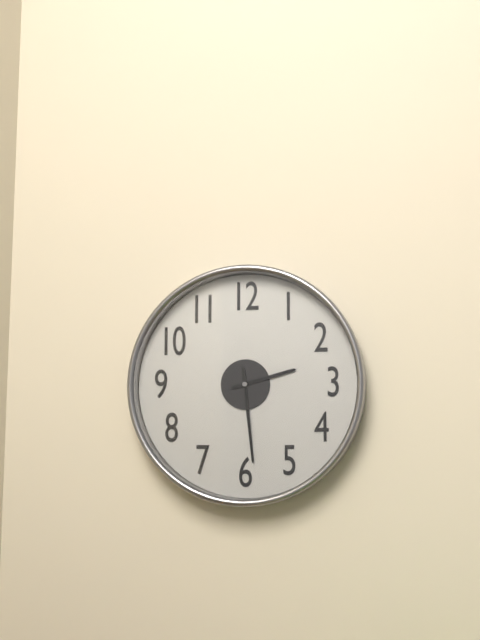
2:29
